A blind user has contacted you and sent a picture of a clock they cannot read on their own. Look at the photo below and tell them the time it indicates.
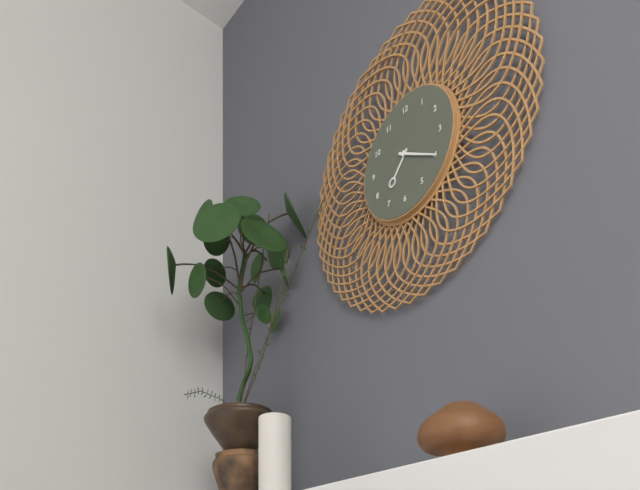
7:20
